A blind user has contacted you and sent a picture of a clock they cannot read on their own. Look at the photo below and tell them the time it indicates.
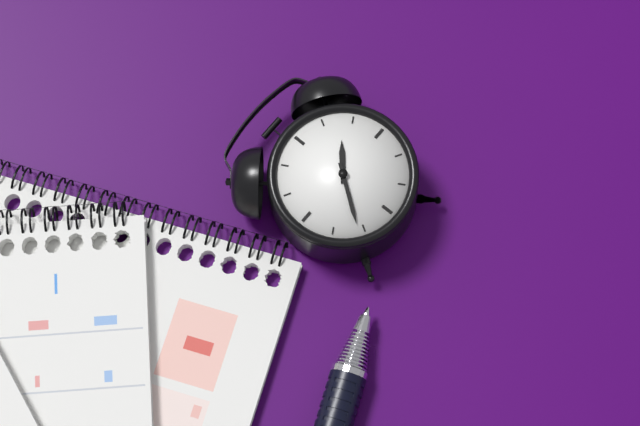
1:36
